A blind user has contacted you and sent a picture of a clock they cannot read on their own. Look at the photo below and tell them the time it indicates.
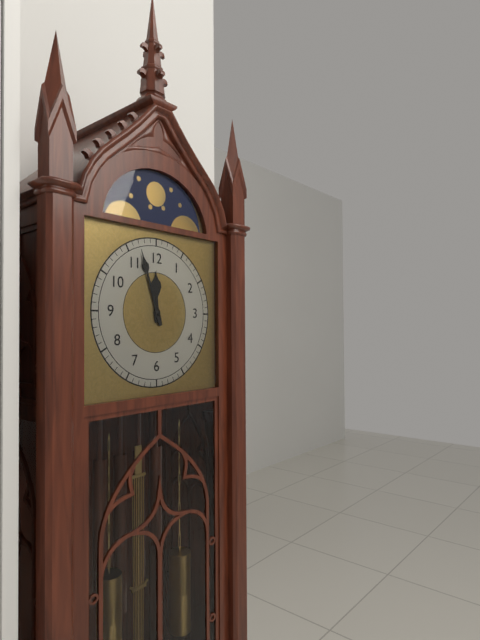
11:57
